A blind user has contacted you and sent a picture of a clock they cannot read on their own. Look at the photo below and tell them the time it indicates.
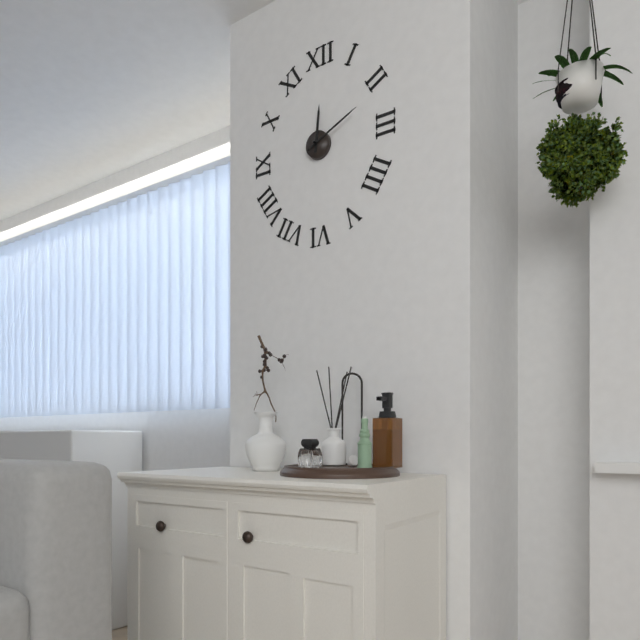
12:11
